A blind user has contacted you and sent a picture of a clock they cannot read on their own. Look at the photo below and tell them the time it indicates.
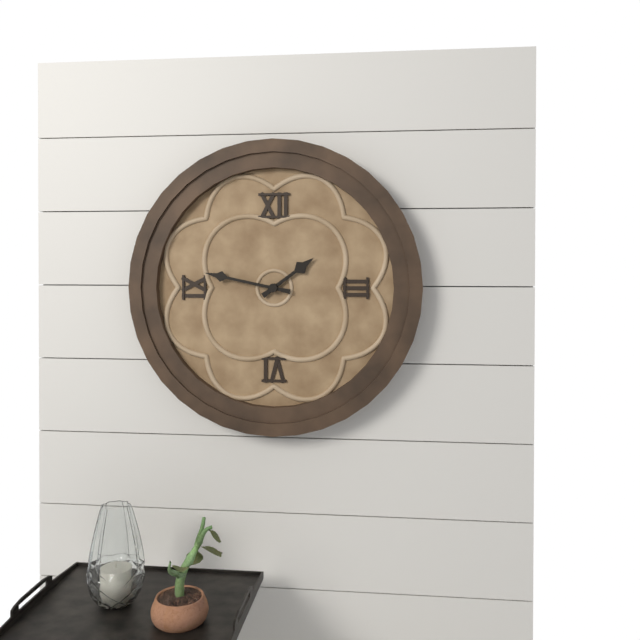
1:47
